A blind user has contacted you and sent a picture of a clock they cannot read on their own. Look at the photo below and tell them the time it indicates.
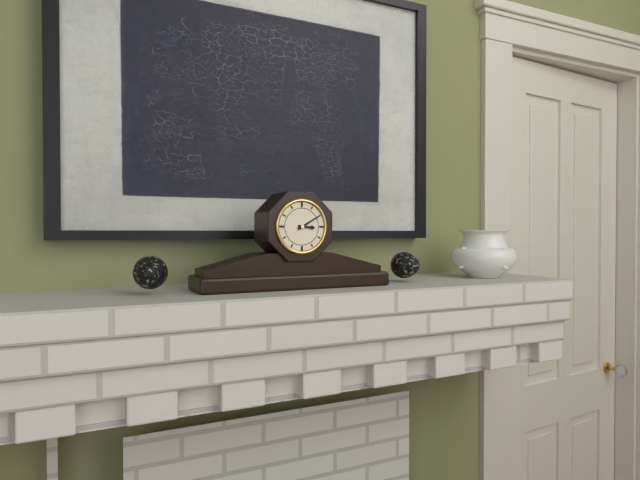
3:10
